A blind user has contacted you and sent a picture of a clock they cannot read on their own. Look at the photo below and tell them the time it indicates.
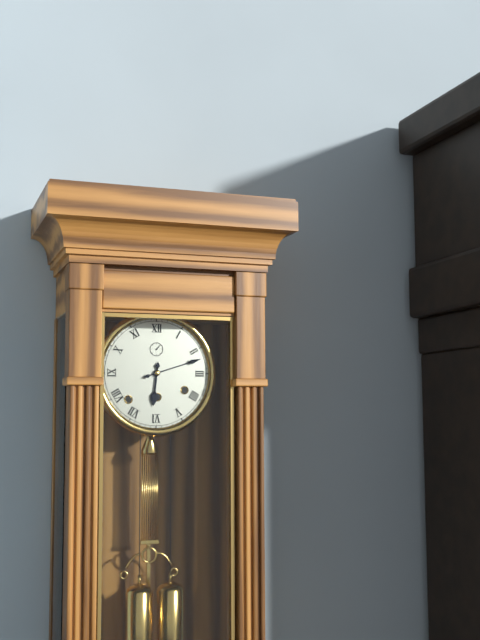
6:12
